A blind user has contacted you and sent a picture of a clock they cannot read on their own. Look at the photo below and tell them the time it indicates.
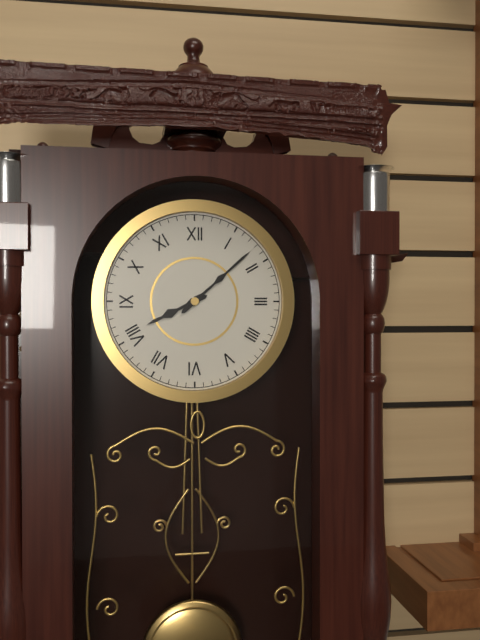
8:08
